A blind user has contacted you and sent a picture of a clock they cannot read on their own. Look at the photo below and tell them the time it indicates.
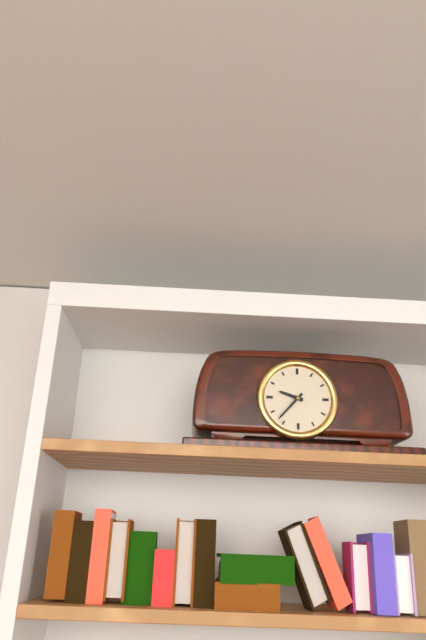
9:37
